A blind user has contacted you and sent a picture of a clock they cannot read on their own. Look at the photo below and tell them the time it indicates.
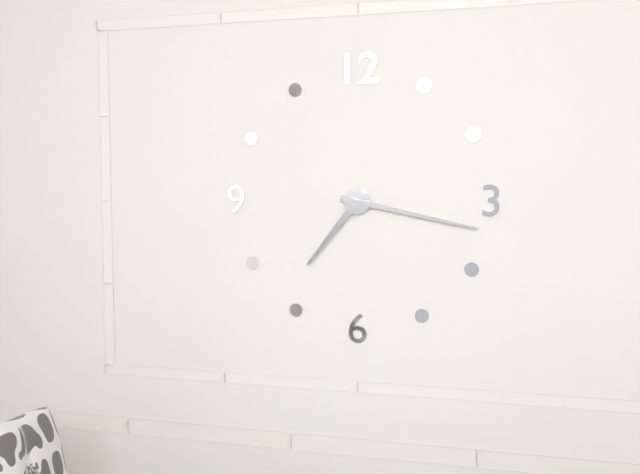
7:17
